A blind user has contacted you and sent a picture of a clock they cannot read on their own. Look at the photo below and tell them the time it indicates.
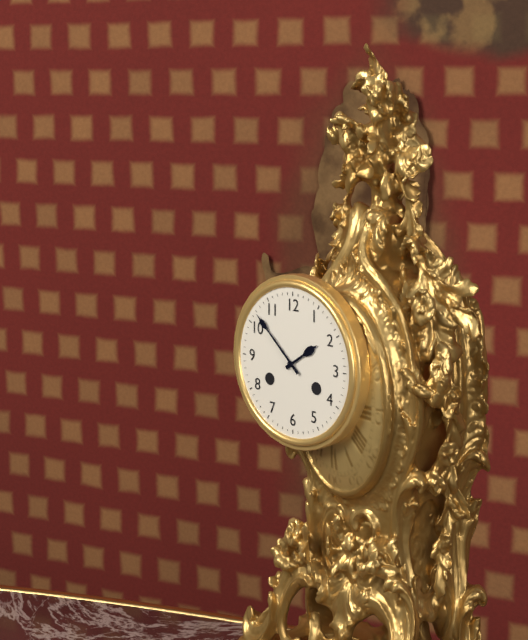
1:52
